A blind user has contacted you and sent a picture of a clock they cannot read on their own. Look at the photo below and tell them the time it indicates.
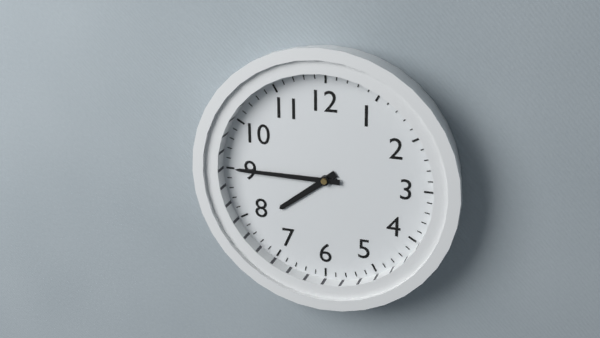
7:45
